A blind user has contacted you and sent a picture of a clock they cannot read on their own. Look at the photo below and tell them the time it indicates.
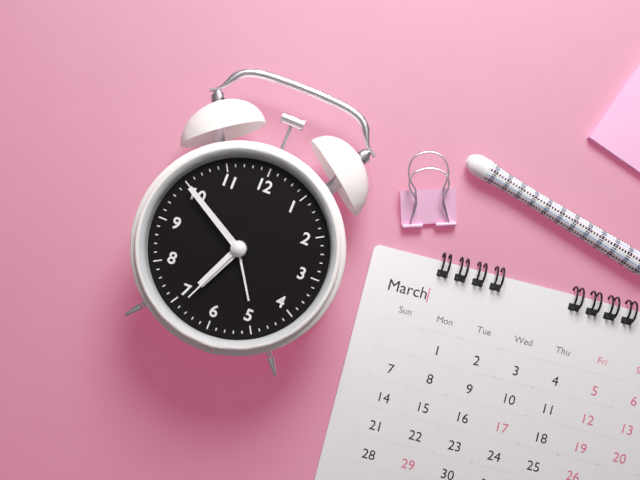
6:50:34
